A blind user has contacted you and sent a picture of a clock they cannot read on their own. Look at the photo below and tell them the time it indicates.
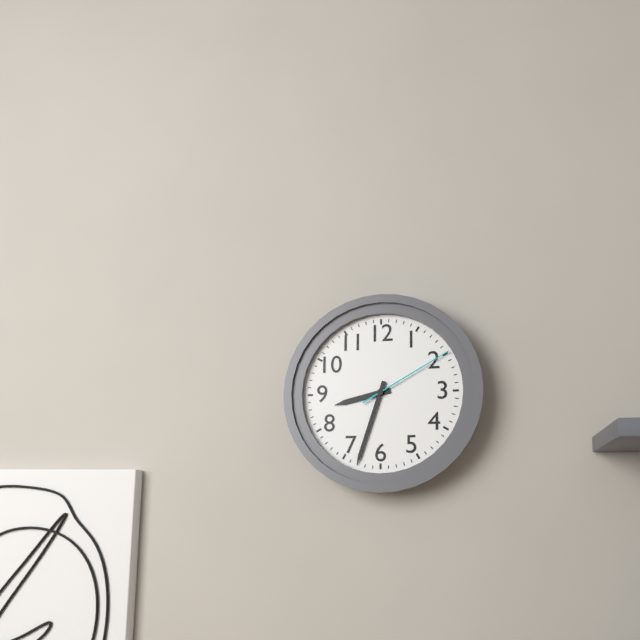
8:33:10
